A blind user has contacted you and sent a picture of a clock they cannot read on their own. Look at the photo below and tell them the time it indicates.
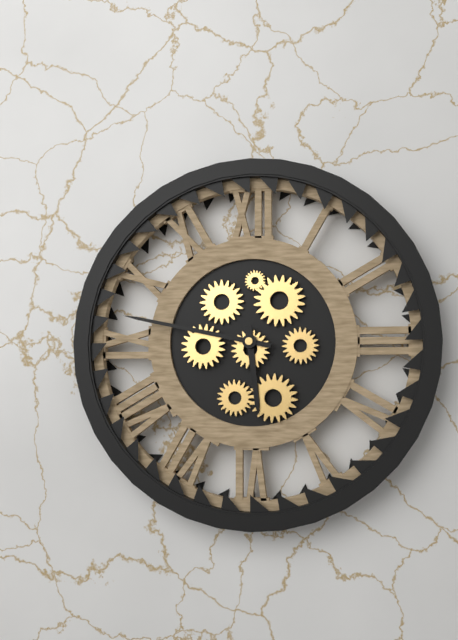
5:47
